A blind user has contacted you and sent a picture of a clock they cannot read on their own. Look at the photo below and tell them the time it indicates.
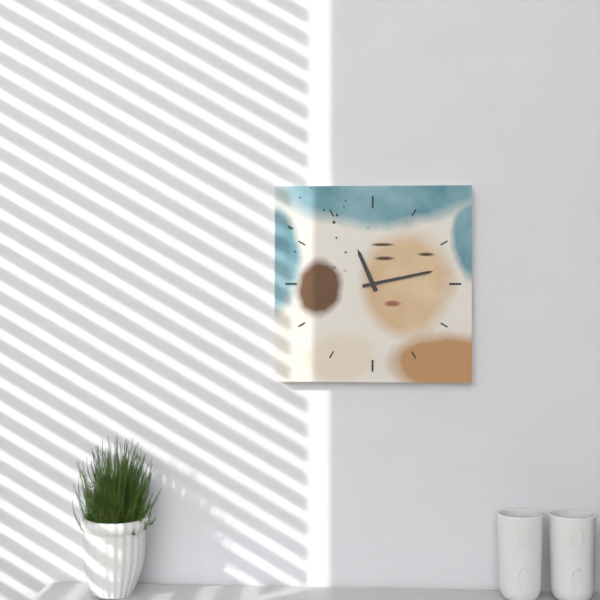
11:13
